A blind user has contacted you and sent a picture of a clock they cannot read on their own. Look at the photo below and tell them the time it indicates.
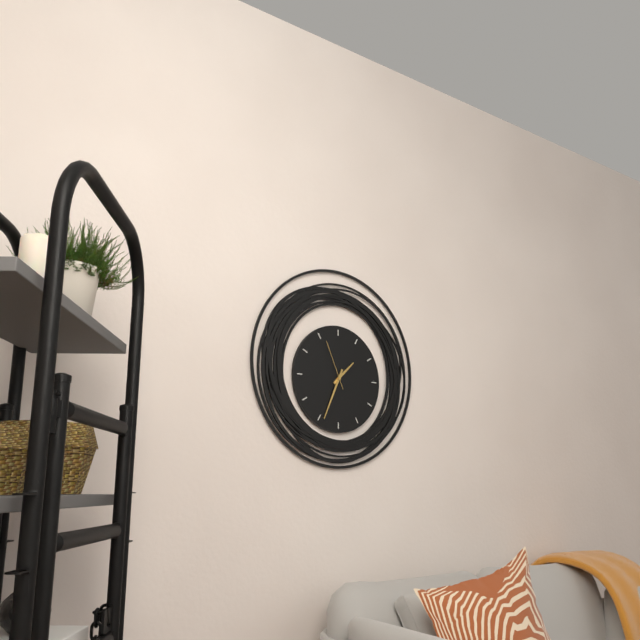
1:34
